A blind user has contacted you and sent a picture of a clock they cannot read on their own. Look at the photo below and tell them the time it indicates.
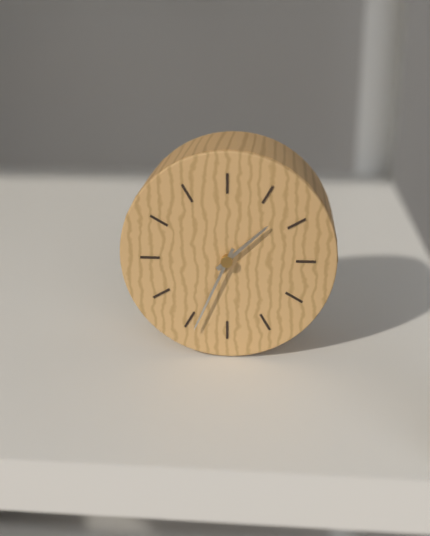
1:34
